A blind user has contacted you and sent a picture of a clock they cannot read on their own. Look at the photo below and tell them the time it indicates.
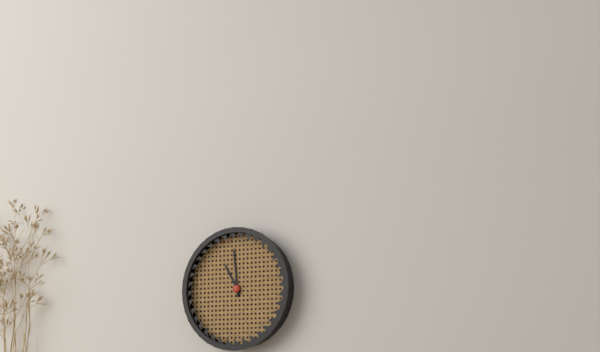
10:59
